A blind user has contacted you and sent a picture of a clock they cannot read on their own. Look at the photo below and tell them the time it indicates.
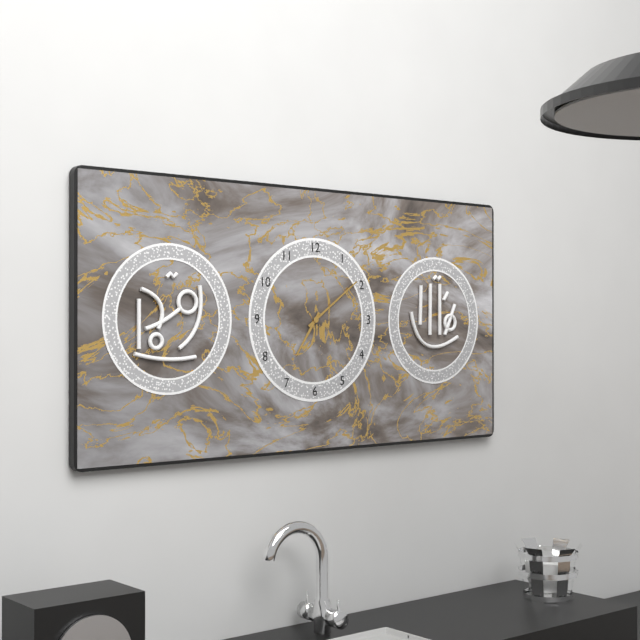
7:09
